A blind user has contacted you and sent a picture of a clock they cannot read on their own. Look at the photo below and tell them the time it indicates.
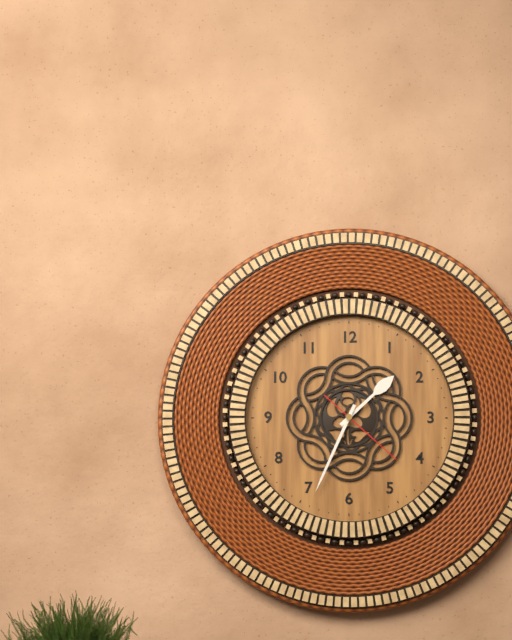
1:34:22
